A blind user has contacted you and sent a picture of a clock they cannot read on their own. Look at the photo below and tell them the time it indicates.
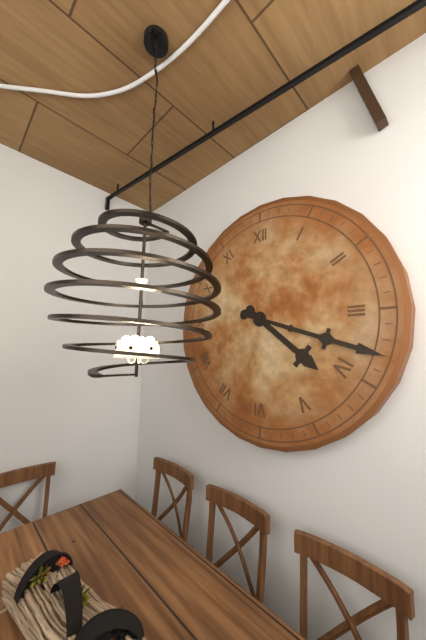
4:18
